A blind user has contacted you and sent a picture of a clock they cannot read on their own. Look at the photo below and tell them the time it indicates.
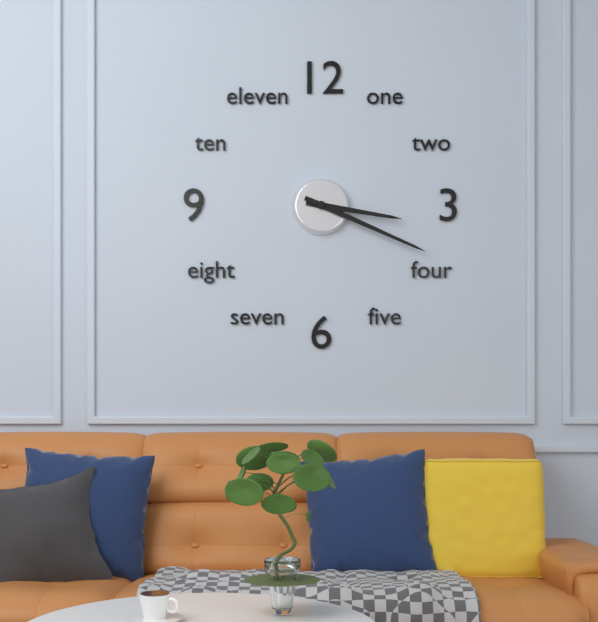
3:19
